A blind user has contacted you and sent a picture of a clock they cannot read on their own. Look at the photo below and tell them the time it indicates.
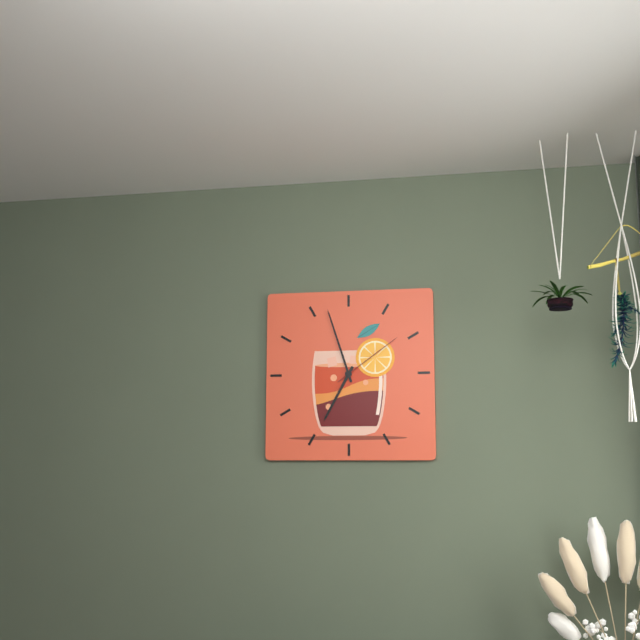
6:57:09
